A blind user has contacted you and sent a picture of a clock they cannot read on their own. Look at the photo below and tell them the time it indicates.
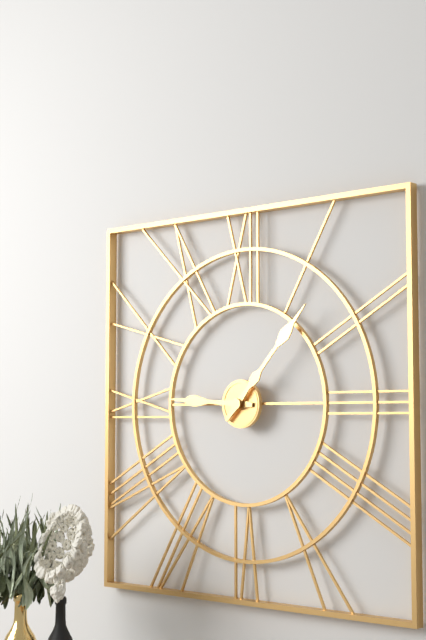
9:07
